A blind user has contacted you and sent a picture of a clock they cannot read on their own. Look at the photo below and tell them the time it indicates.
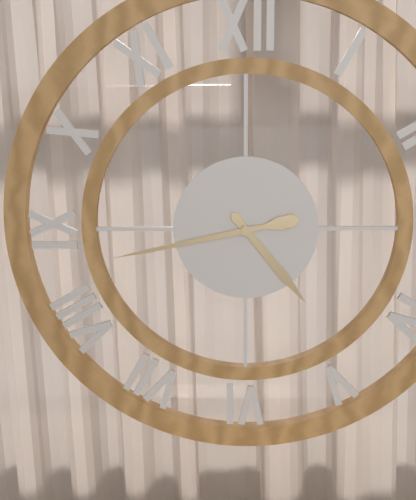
4:43
